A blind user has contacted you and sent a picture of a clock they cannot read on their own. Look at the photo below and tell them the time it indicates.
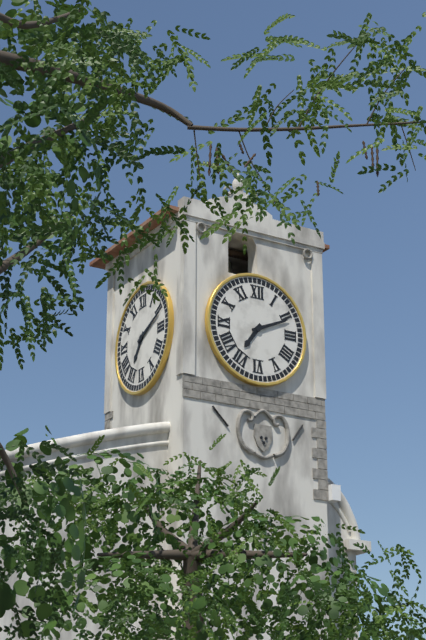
7:11
